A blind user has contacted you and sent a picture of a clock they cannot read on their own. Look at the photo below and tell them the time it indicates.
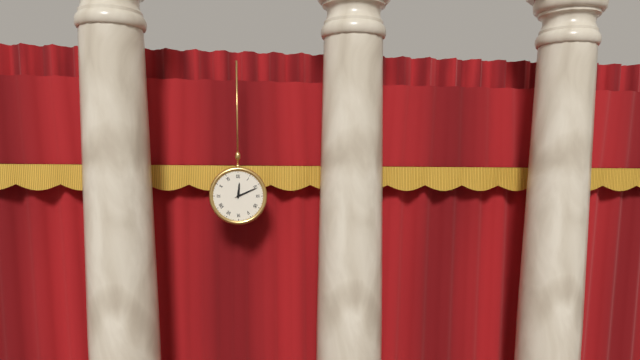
12:11
